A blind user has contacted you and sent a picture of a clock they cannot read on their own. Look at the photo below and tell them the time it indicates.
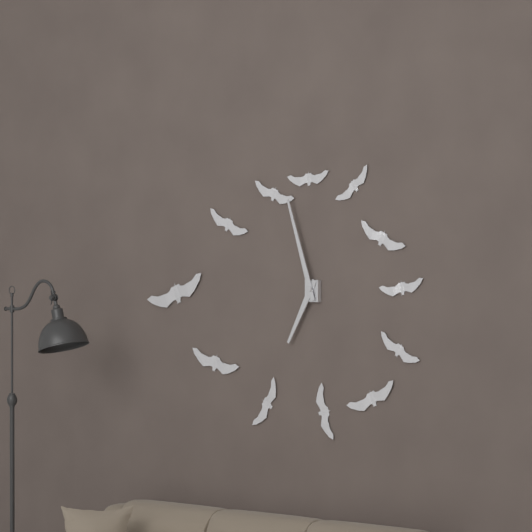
6:57
